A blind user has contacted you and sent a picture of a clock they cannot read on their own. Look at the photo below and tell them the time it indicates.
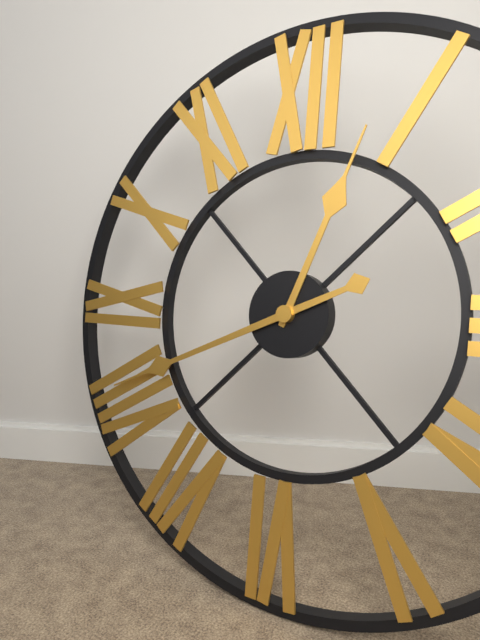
12:41
